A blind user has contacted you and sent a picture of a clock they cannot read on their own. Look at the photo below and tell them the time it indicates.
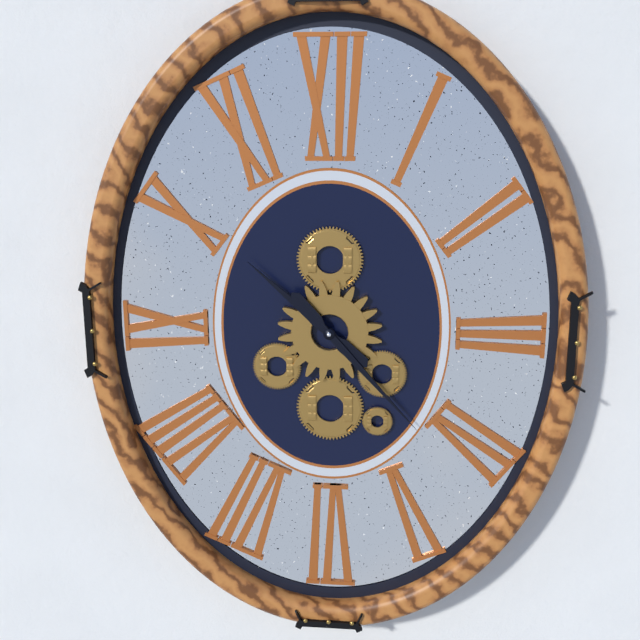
10:23
